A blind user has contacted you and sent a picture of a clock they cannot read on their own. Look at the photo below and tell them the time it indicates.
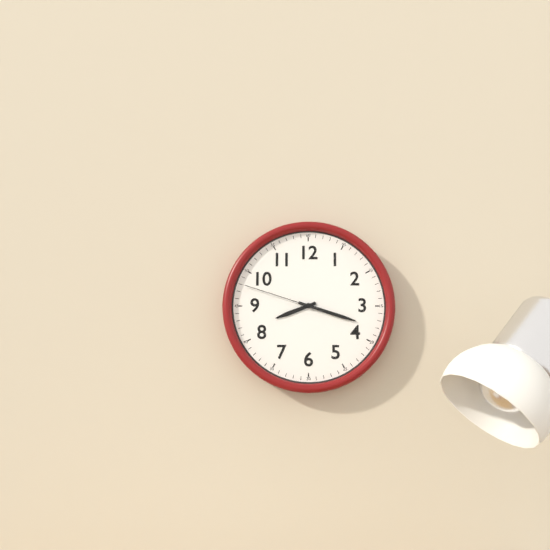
8:18:48
